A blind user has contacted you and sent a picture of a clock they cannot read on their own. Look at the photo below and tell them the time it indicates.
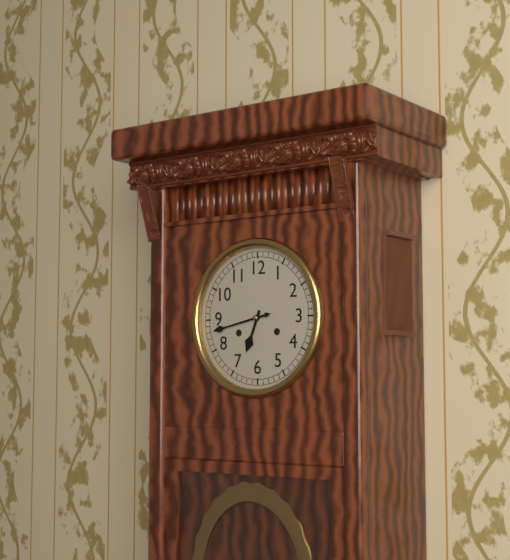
6:43
